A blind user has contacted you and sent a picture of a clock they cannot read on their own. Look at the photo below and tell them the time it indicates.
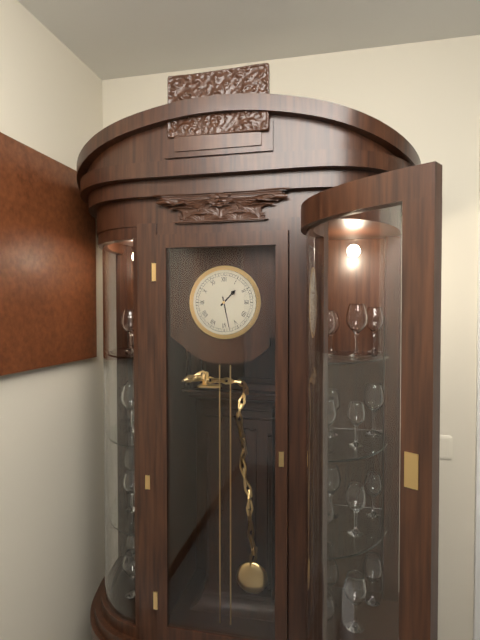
1:28
